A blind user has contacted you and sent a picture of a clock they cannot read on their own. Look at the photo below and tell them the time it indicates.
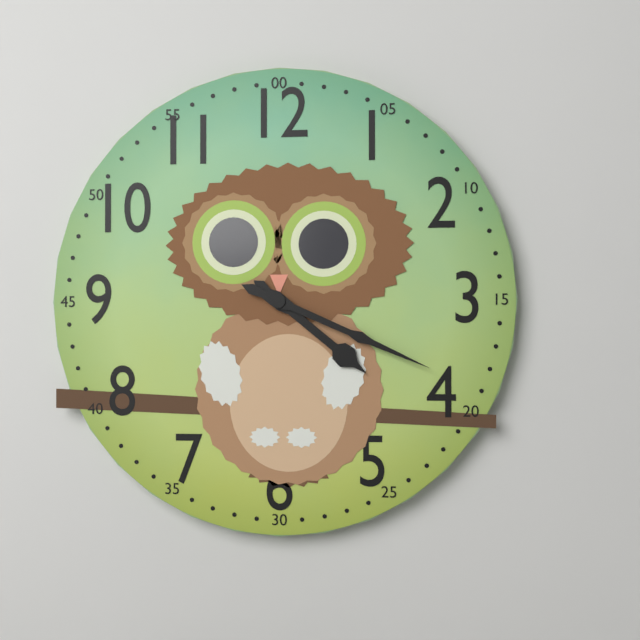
4:19
